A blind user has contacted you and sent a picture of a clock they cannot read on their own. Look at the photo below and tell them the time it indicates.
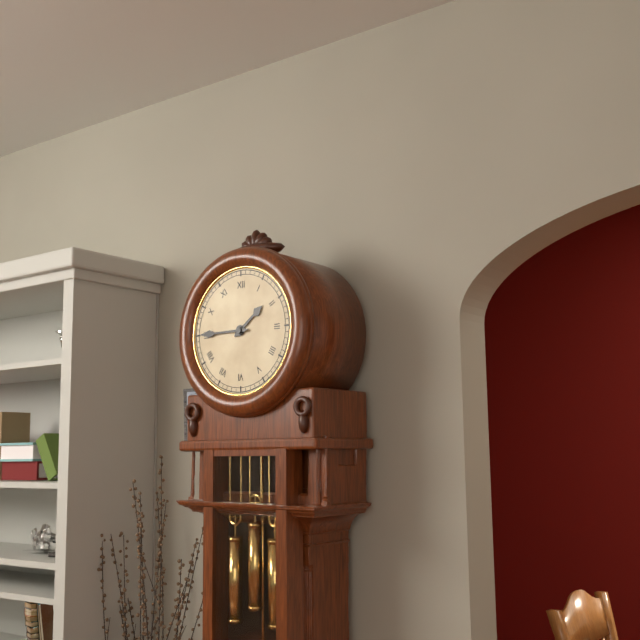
1:45
